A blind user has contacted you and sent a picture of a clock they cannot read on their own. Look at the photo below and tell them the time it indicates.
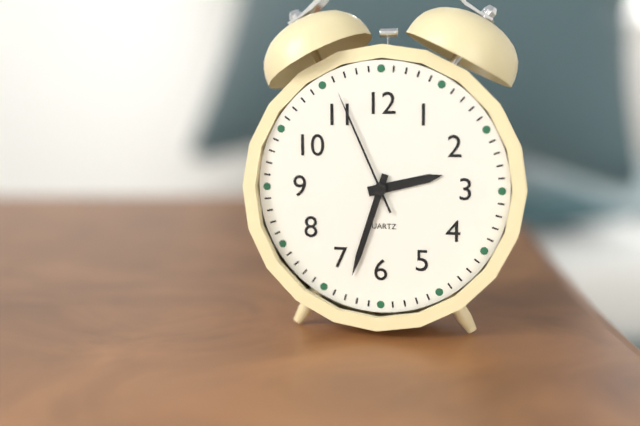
2:33:56
